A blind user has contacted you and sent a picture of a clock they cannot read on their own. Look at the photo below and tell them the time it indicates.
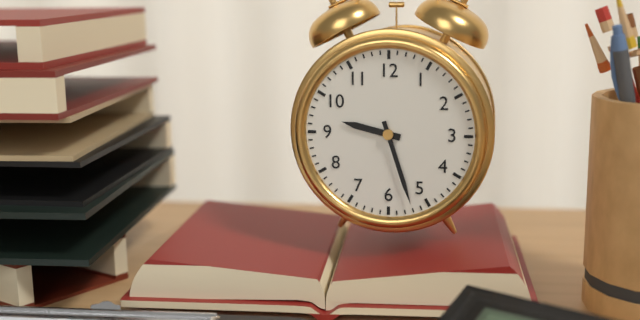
9:27
